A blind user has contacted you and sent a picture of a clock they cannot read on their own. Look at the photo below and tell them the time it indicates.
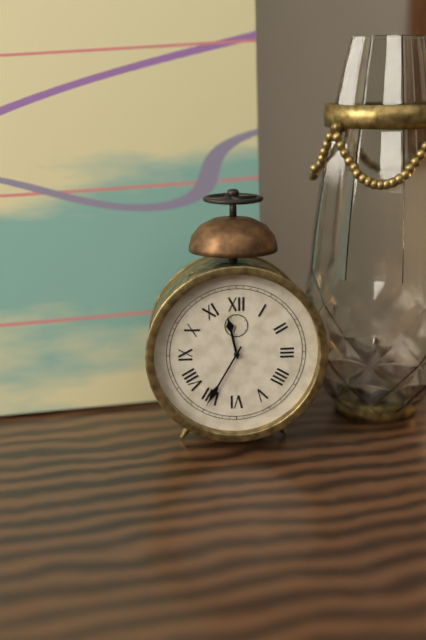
11:35
